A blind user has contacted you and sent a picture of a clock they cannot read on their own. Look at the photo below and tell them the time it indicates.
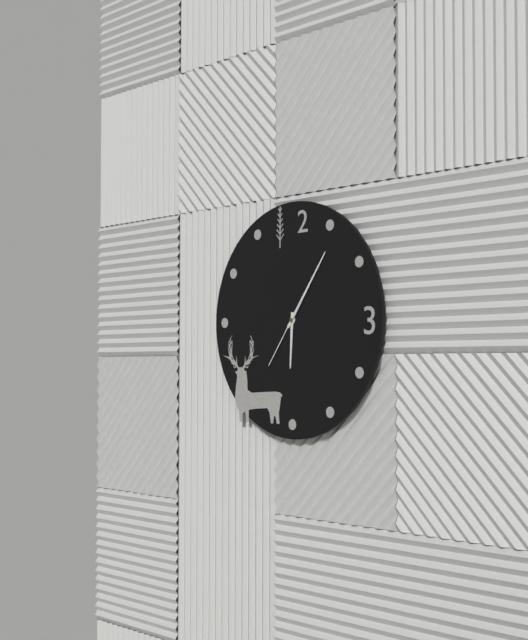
6:06:36
